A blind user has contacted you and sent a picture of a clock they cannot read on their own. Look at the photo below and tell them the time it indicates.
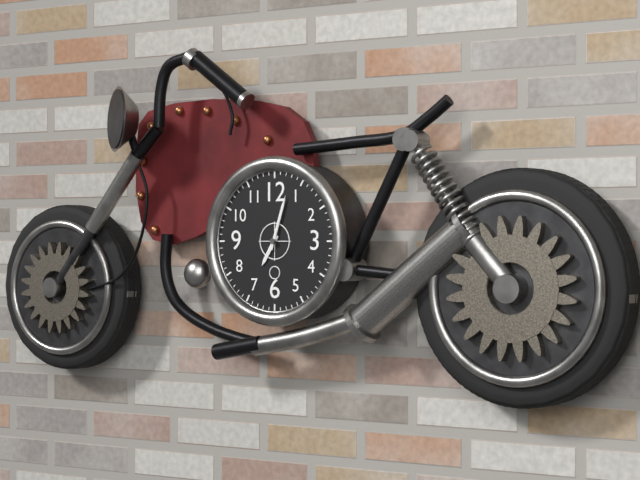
7:03
